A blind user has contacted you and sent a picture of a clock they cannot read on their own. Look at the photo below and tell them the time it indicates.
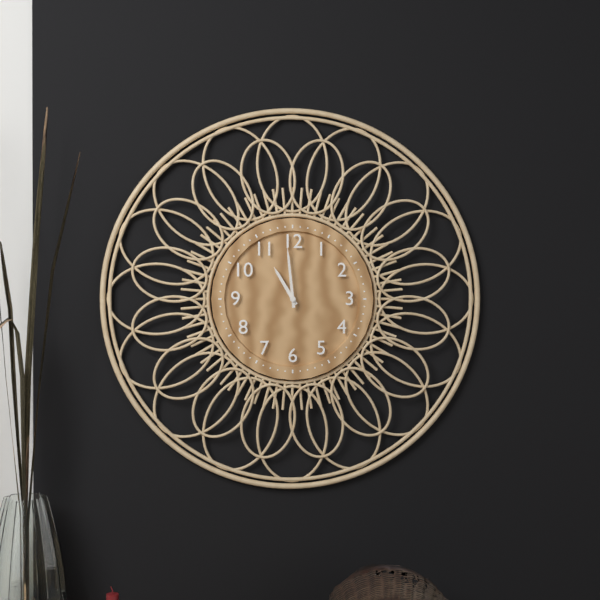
10:59
